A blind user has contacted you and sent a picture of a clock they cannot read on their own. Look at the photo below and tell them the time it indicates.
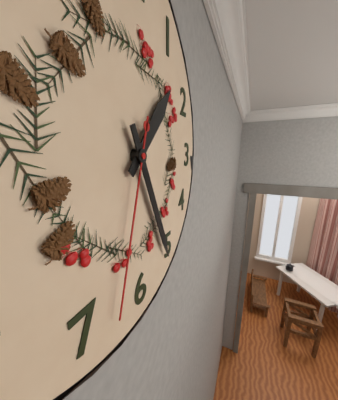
1:26:33
